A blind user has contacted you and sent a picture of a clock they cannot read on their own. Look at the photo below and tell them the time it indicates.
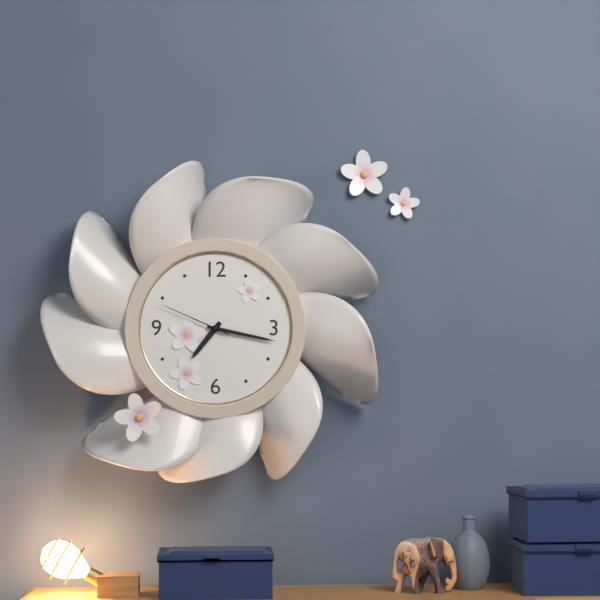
7:17:49
